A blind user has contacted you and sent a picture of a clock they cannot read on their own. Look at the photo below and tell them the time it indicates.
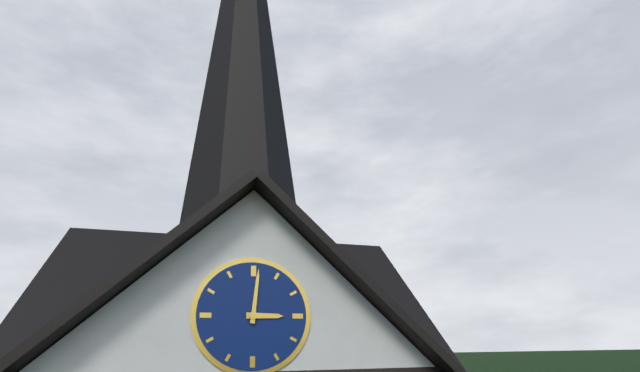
3:01
